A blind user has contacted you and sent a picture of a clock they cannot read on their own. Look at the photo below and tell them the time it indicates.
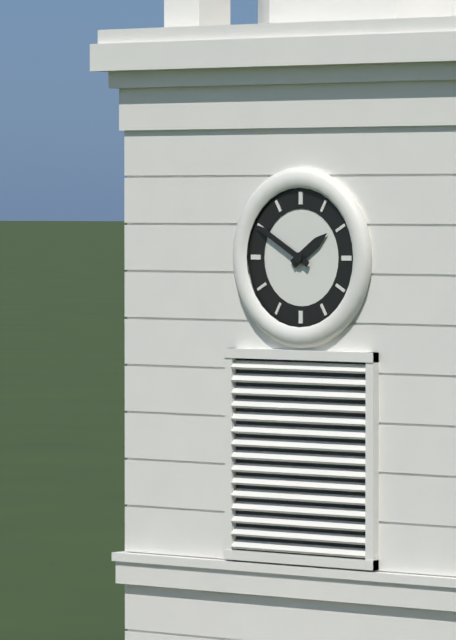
1:50
